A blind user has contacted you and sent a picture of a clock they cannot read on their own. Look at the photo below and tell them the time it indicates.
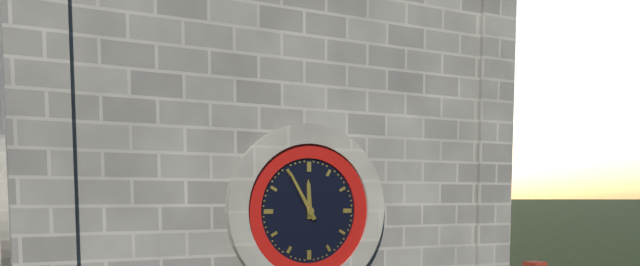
11:55
